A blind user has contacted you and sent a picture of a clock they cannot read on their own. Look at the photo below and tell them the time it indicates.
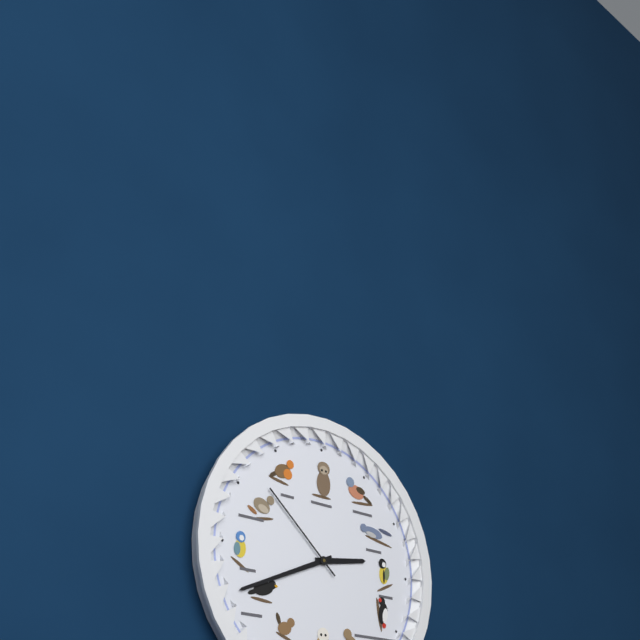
2:41:52
